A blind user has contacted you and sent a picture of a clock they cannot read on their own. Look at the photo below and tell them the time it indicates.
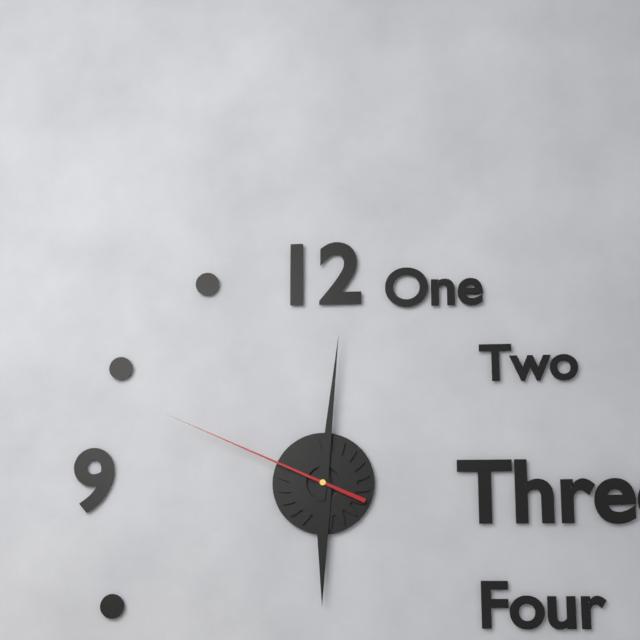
6:01:49
